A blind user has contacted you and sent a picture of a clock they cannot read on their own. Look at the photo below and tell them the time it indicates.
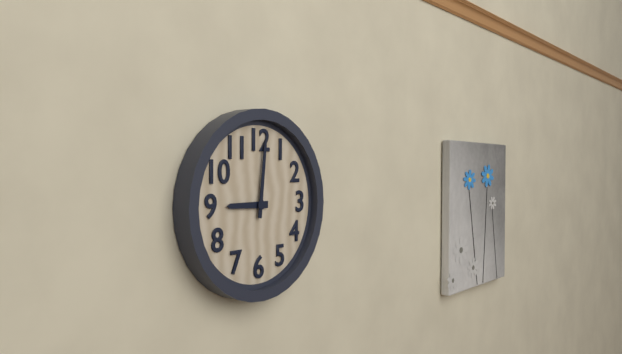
9:01
